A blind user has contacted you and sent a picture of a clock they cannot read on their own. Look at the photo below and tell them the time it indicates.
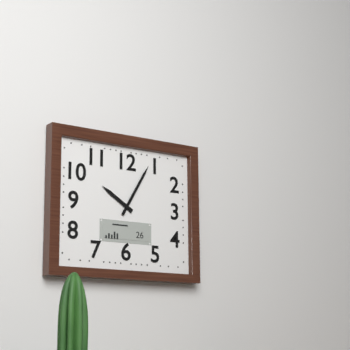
10:05
